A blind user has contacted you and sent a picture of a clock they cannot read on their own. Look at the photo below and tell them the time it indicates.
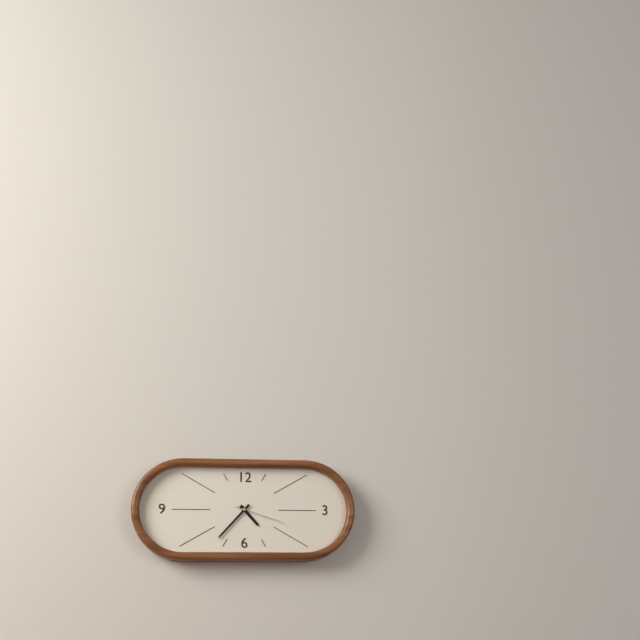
4:37:18
